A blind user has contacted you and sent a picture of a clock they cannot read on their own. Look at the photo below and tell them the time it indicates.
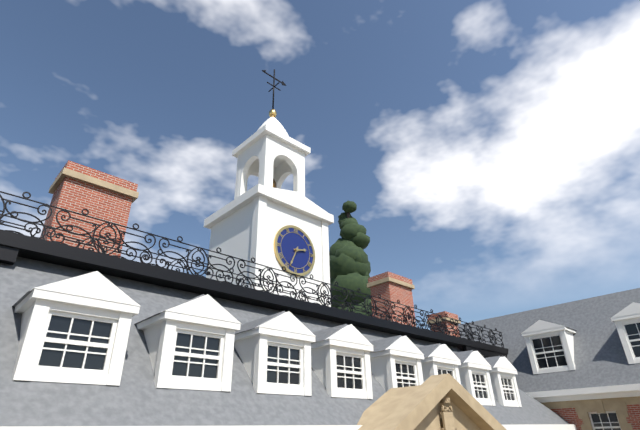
2:34
